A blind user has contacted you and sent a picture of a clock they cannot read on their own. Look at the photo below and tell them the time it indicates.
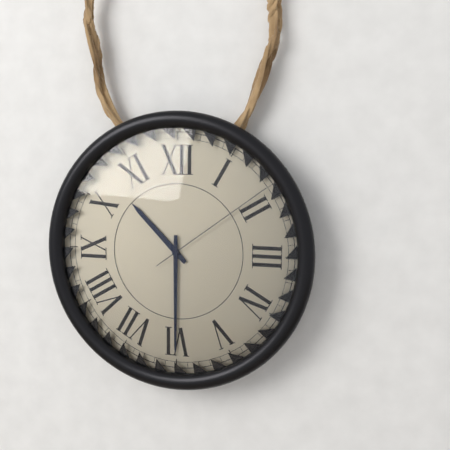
10:30:09
